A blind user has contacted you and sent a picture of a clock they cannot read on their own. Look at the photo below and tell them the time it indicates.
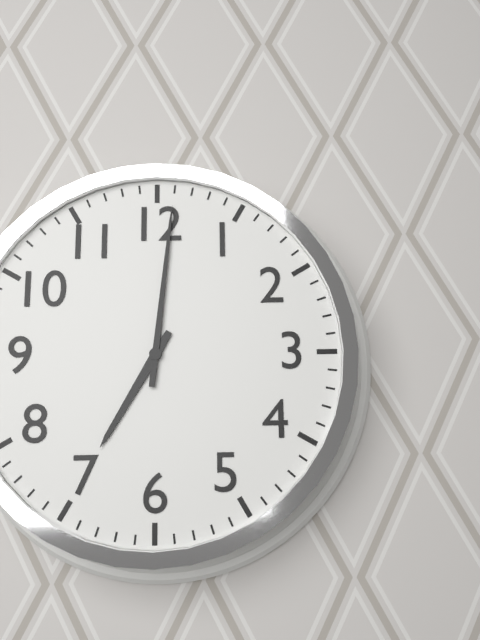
7:01
